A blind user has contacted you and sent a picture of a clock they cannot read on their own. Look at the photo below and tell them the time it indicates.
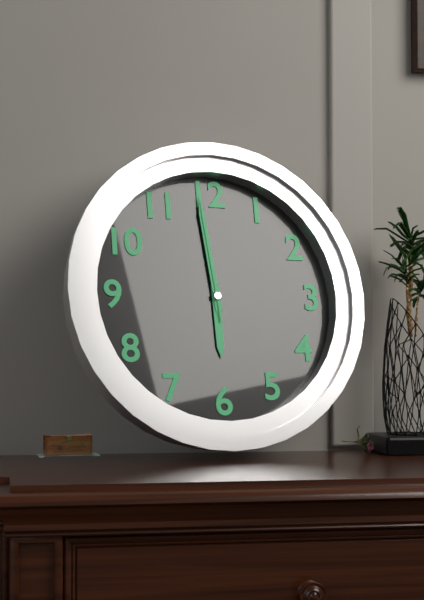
5:59:59
